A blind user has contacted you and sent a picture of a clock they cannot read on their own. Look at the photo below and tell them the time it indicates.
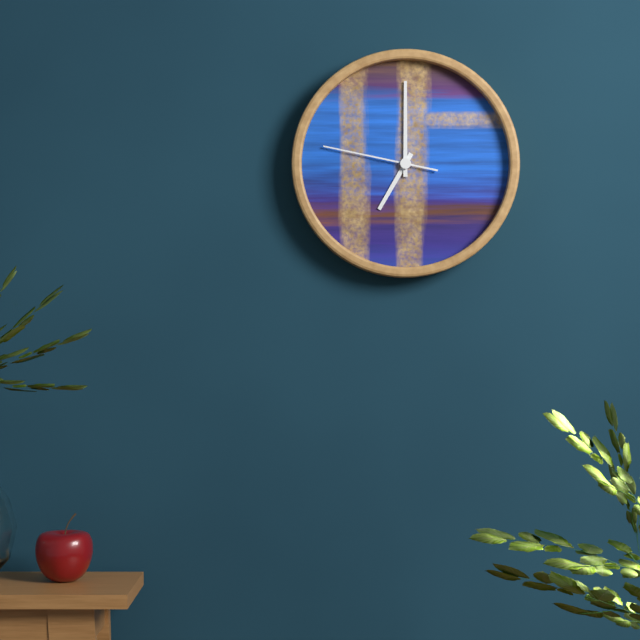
7:00:47
